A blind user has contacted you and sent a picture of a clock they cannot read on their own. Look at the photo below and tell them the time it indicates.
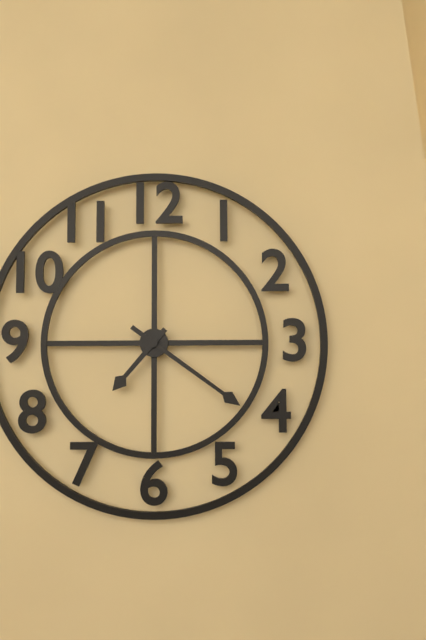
7:21
